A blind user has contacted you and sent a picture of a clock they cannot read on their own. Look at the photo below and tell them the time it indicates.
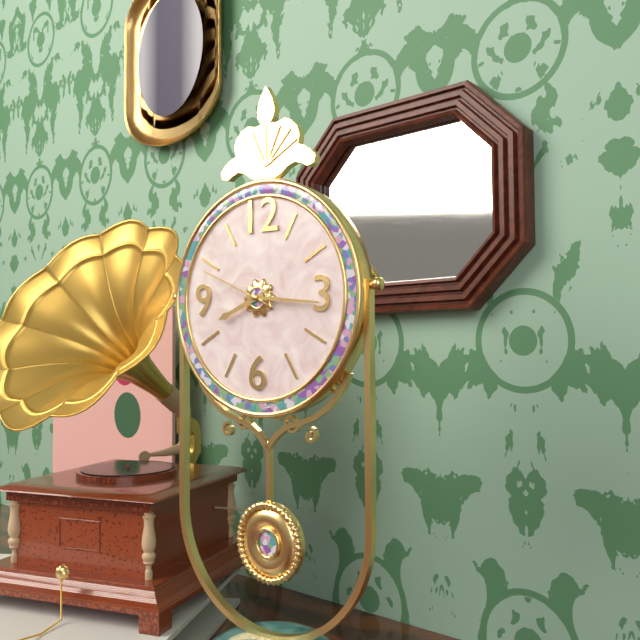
8:16:49
